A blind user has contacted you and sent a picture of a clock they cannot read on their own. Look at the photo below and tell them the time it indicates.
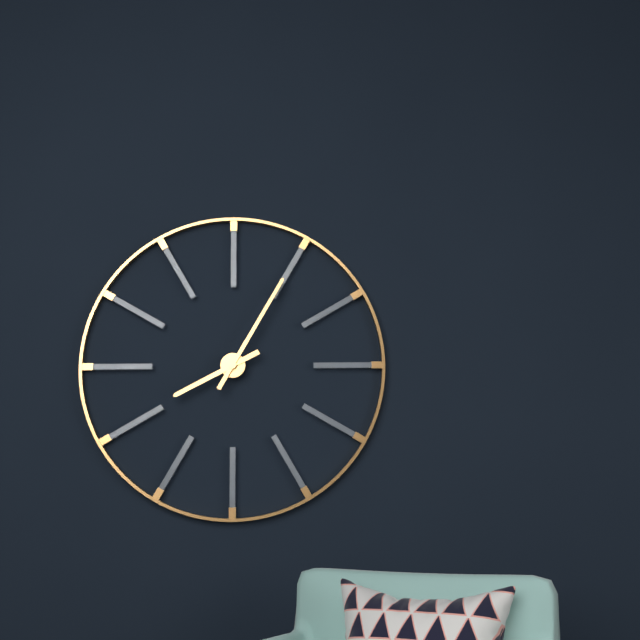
8:05
